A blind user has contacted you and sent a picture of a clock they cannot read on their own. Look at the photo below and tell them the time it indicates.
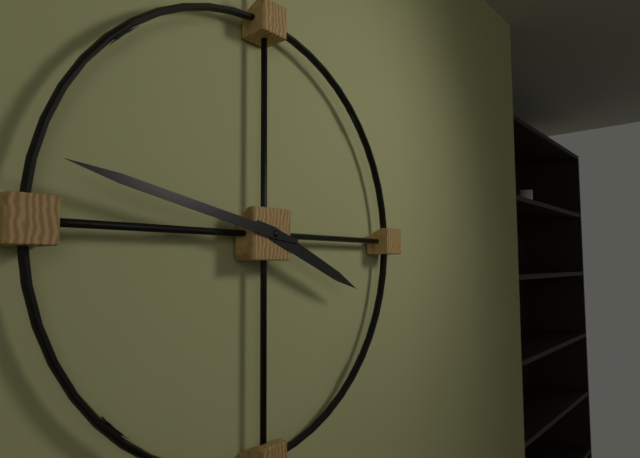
3:47
